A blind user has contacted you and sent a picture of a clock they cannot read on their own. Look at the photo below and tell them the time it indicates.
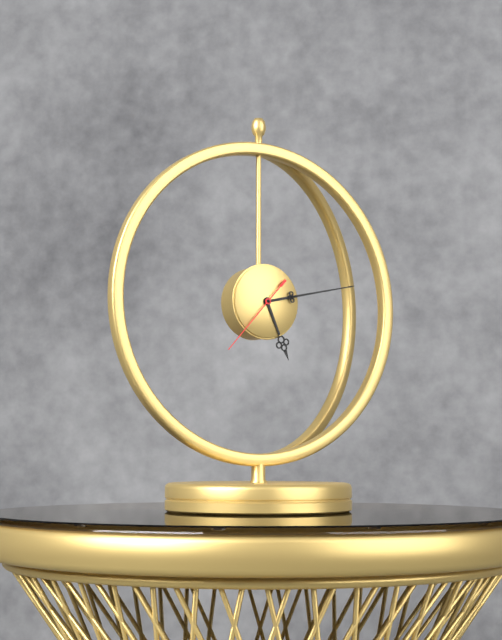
5:13:37
